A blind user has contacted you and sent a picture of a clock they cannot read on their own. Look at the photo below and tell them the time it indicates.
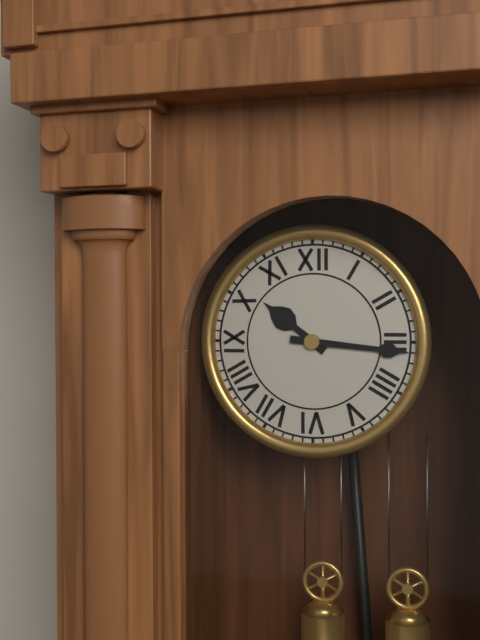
10:16
